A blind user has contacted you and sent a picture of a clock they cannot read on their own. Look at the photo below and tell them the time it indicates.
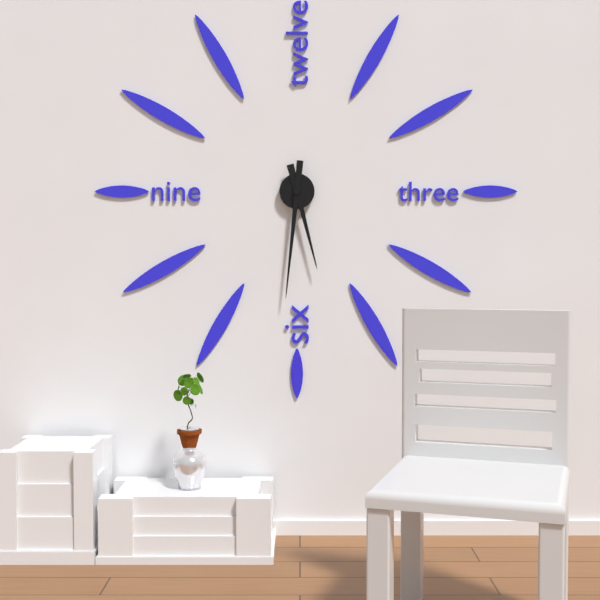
5:31
